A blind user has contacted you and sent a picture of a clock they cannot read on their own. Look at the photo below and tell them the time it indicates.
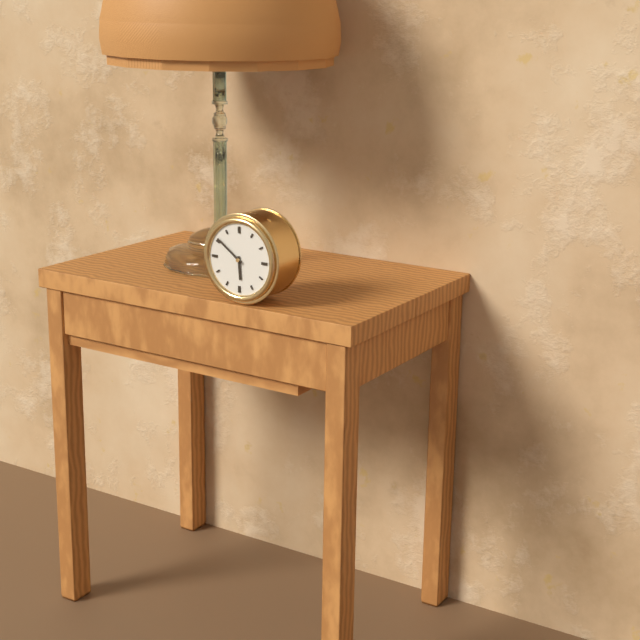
5:51
